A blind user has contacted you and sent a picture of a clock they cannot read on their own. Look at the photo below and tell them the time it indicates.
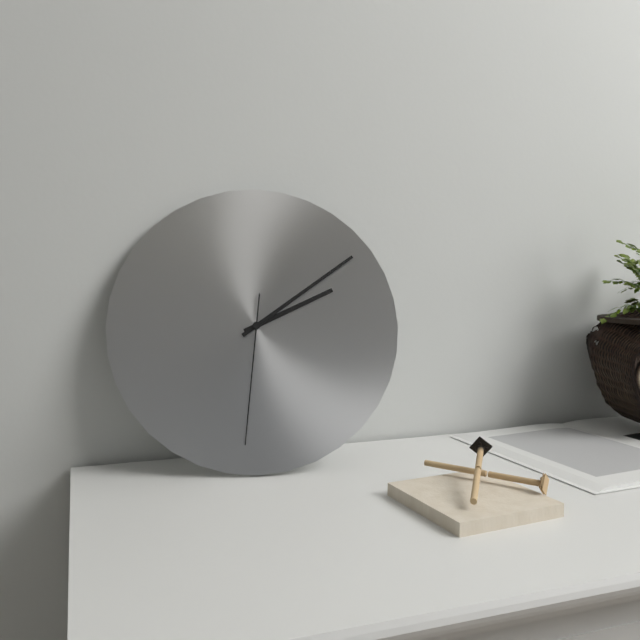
2:09:31
